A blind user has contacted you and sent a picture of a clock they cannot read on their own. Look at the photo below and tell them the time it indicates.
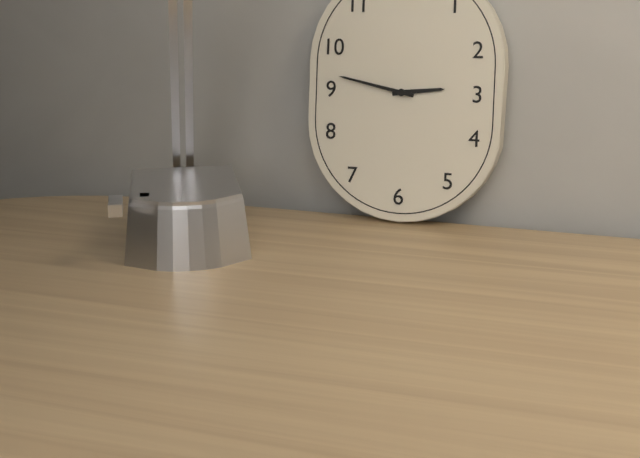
2:47
